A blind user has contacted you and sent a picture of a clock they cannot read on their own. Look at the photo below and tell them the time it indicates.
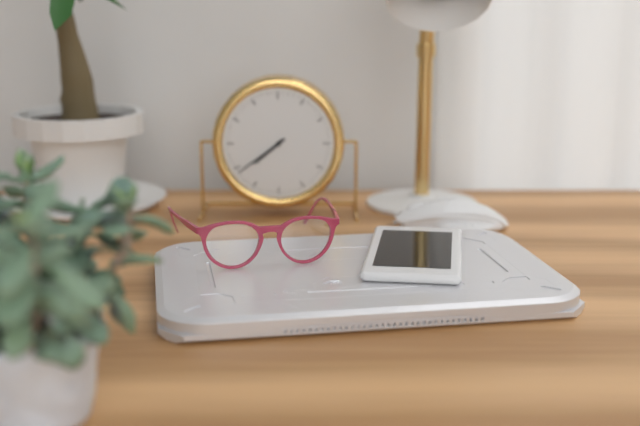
7:39
